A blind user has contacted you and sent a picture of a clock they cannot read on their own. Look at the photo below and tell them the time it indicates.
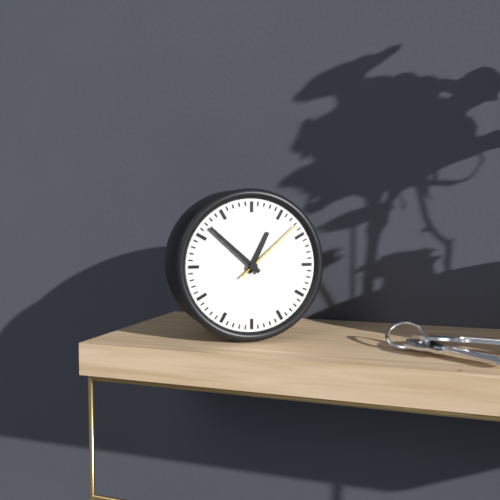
12:52:08
